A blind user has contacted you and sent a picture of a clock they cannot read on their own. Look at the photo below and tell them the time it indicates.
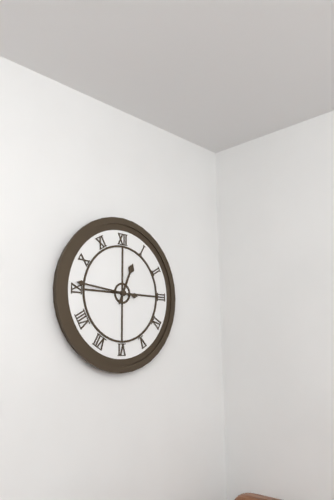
12:46
